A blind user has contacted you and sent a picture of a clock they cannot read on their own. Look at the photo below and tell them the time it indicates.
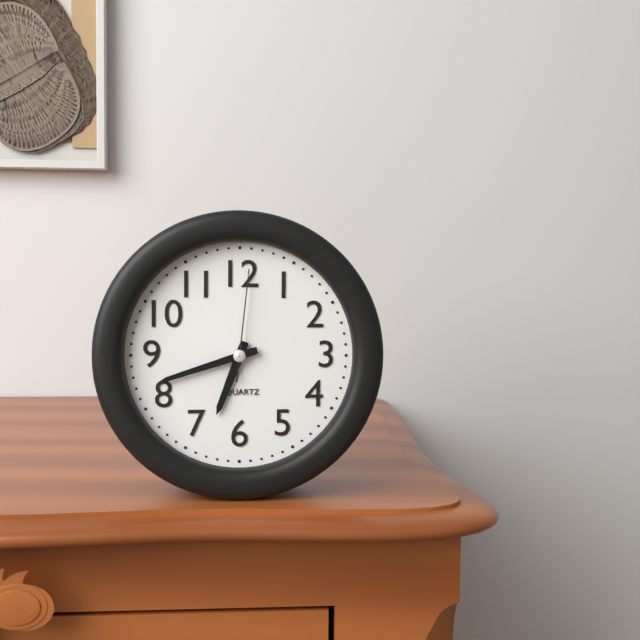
6:42:01
